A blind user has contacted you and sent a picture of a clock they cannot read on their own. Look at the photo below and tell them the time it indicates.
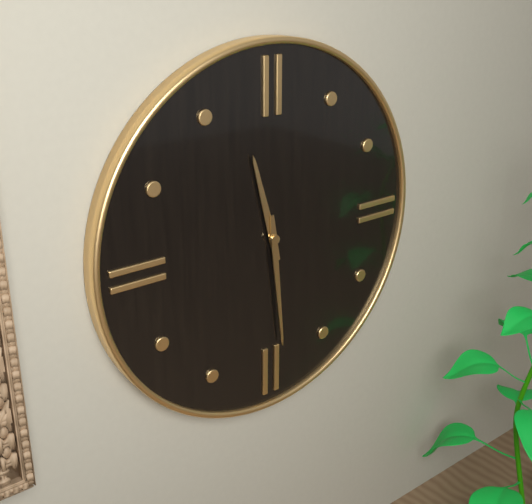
11:29
